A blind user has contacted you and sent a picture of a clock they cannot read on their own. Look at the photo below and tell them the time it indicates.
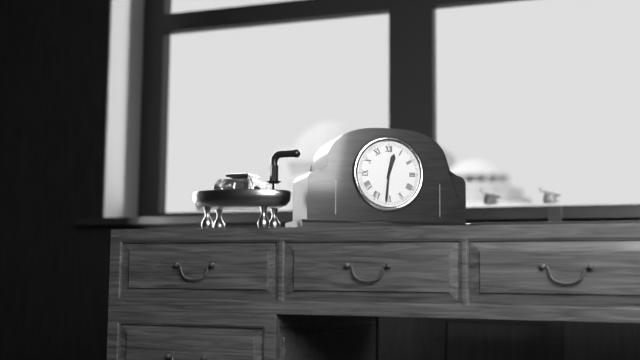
12:31
